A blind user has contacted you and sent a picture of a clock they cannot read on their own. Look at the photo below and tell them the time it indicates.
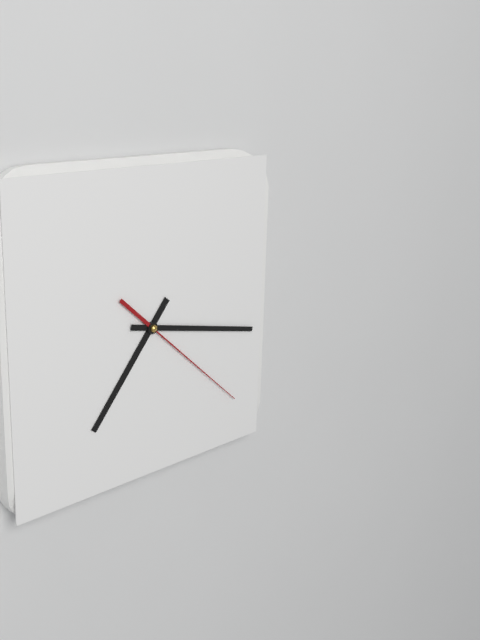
7:17:22
